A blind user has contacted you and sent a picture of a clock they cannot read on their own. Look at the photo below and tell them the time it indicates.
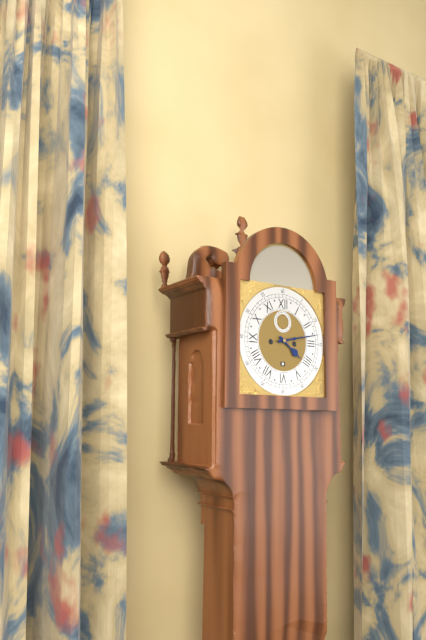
4:13
